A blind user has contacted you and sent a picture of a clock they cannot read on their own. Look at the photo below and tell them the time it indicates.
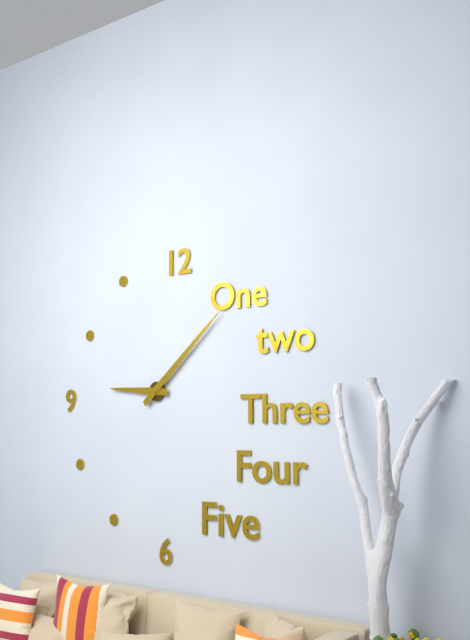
9:08
